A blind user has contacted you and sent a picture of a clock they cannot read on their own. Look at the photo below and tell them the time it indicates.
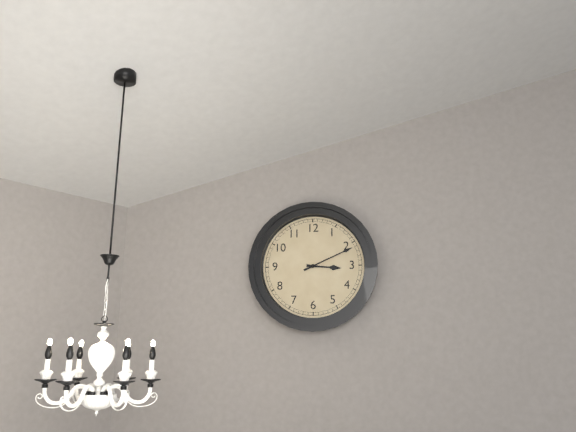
3:11
